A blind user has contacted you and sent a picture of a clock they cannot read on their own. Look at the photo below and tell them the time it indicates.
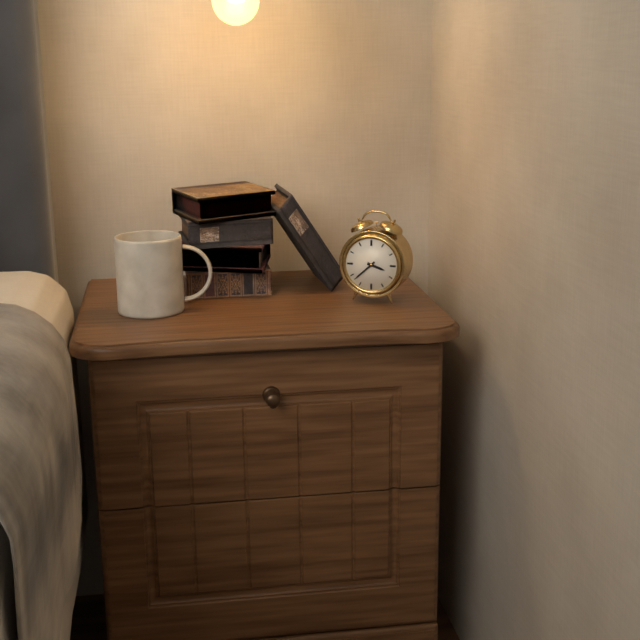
3:38
